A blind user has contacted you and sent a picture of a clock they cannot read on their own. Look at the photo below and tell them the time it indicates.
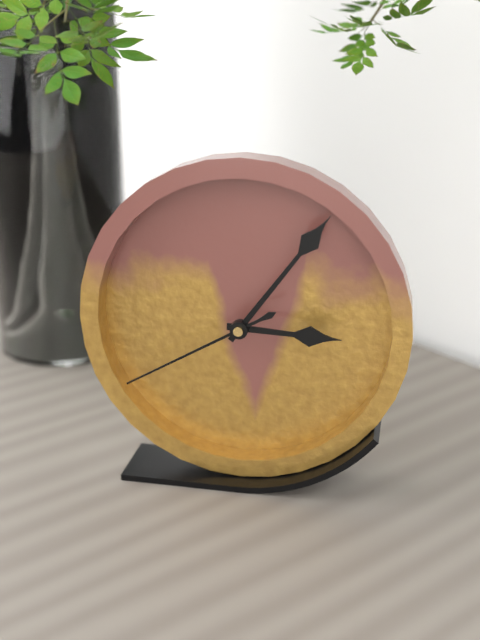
3:06:40
